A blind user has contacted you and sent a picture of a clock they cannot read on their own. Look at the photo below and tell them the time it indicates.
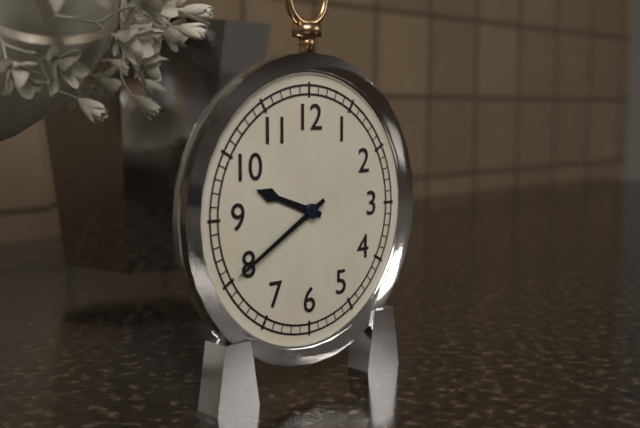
9:40
